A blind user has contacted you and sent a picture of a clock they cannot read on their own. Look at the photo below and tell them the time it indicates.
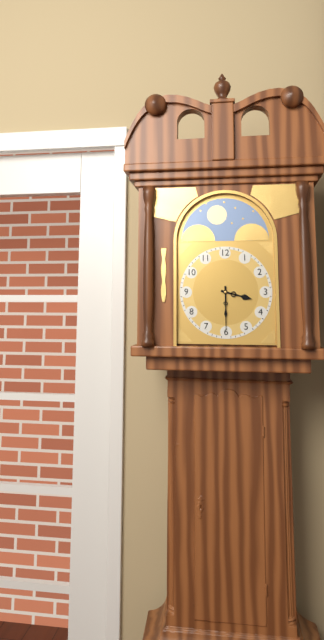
3:30
